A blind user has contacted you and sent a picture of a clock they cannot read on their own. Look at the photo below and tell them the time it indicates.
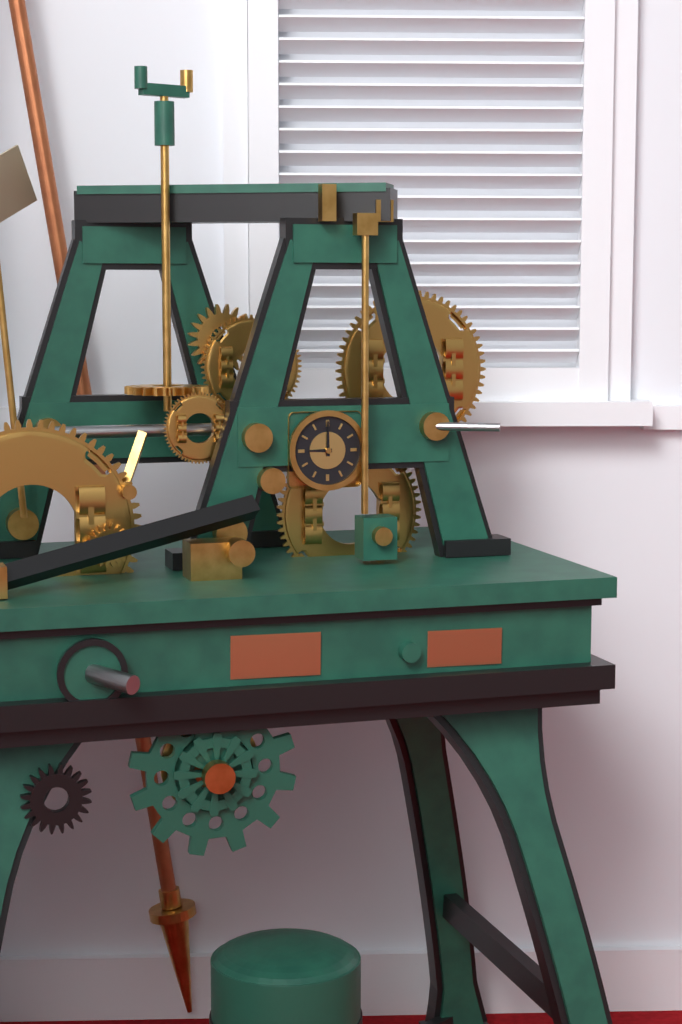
9:00
